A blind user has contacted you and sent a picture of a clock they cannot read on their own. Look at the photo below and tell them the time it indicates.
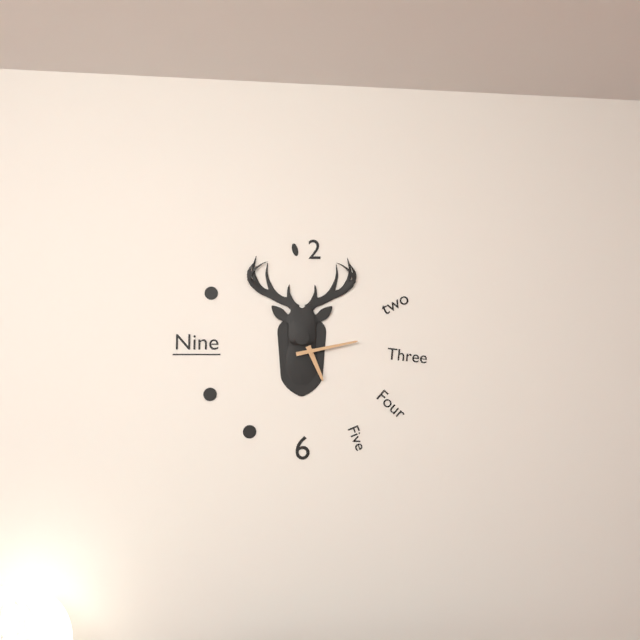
5:13
